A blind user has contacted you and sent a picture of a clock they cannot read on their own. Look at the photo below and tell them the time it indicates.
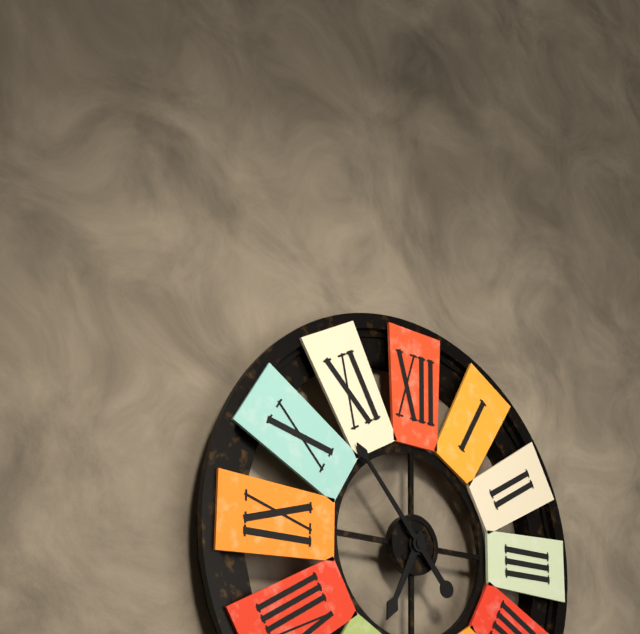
6:53
